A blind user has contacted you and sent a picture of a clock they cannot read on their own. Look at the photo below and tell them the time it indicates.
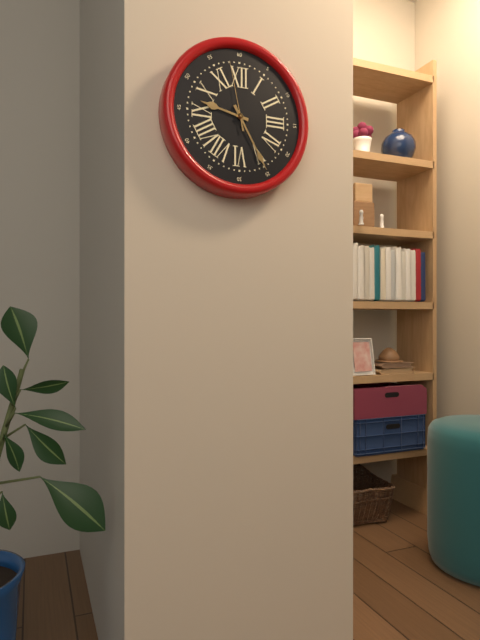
9:25:58
